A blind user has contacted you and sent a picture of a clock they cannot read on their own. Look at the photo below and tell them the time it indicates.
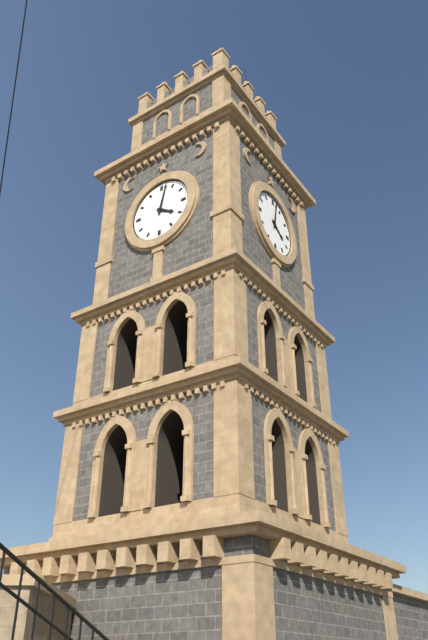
4:02
